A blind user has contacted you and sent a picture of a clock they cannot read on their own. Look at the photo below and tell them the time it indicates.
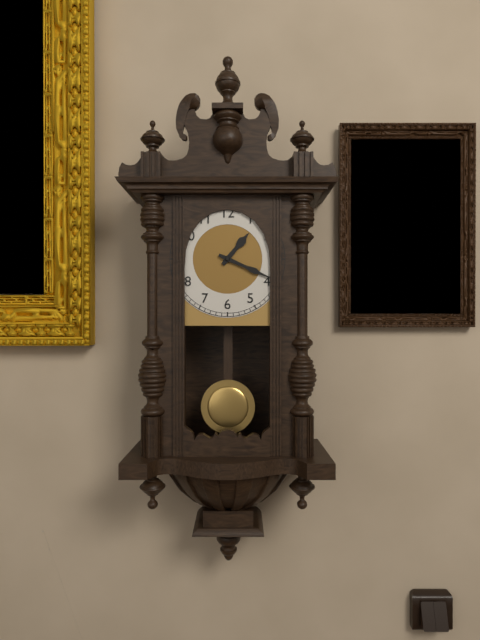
1:19
